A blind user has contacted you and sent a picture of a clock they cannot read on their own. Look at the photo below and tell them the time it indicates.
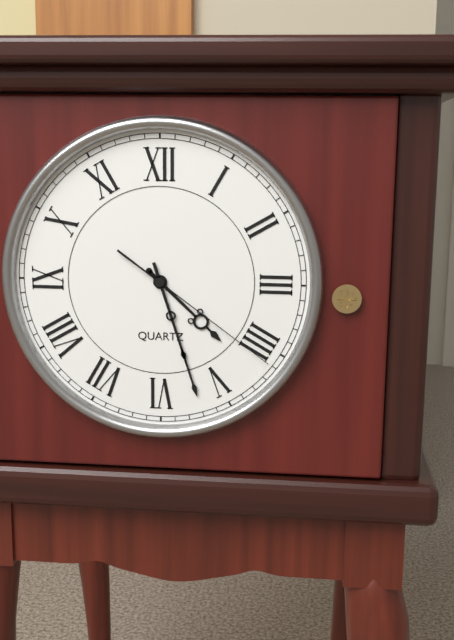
4:27:21
